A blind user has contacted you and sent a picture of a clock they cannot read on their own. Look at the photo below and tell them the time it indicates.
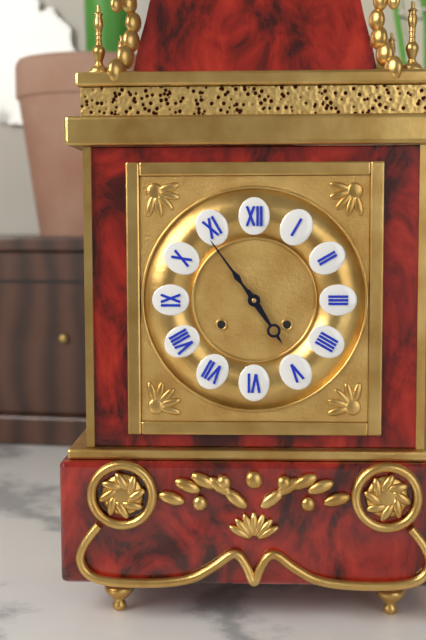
4:54
